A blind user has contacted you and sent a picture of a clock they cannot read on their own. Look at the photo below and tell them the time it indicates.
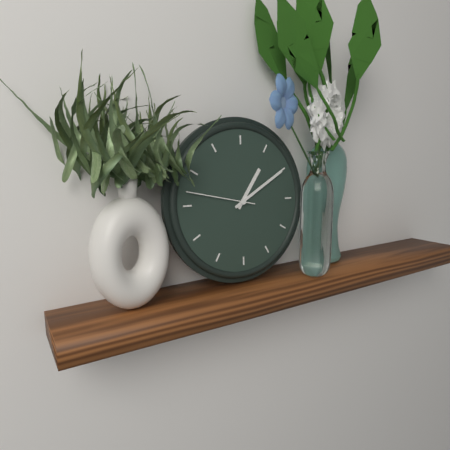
1:10:47
